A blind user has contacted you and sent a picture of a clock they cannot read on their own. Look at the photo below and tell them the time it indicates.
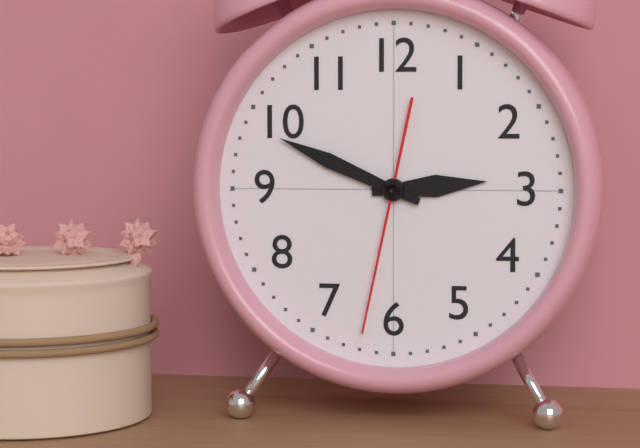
2:49:32
